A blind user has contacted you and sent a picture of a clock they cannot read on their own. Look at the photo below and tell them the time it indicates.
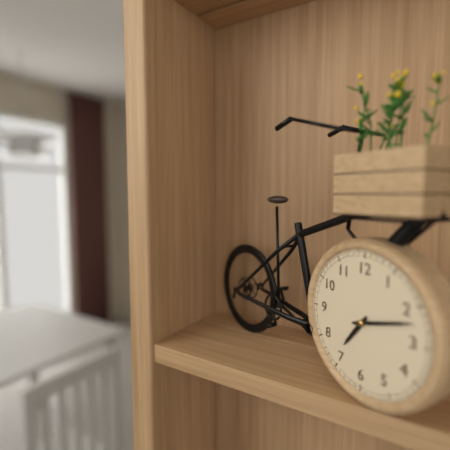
7:12
